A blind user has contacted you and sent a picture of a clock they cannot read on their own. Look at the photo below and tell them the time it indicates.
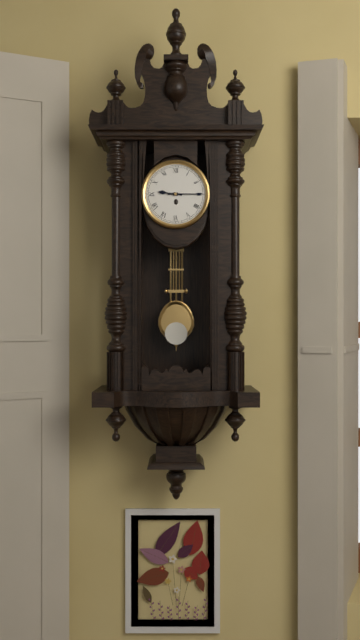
9:15
